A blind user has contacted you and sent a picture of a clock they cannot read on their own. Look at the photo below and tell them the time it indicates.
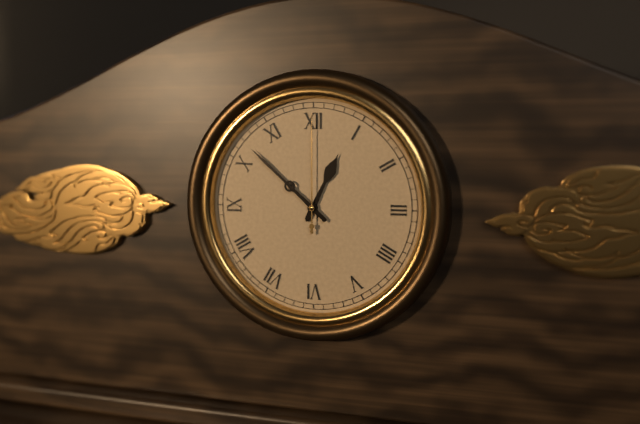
12:52:00
